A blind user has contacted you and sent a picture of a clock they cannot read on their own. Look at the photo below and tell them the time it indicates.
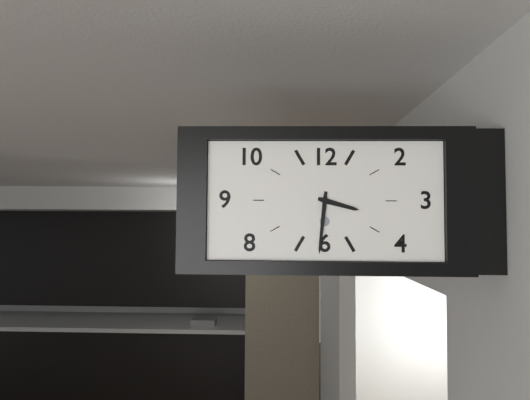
3:31
